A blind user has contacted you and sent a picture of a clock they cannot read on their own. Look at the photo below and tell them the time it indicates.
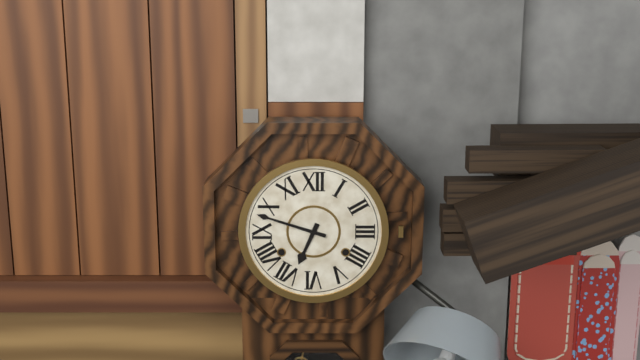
6:48
